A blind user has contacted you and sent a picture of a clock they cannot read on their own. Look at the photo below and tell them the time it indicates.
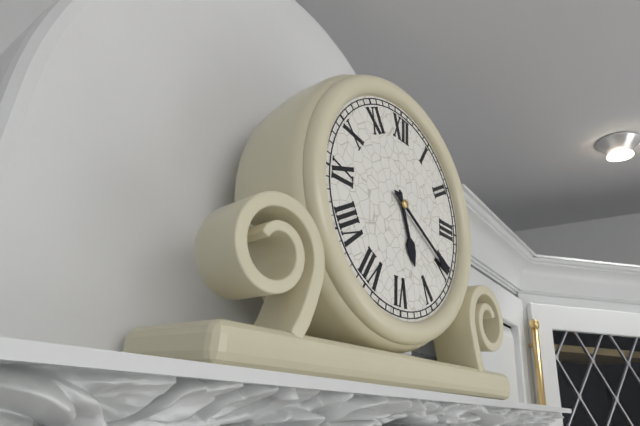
5:20
